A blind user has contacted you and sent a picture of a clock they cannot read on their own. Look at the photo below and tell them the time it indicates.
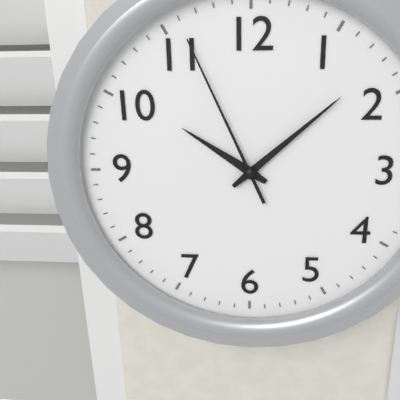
10:08:56
